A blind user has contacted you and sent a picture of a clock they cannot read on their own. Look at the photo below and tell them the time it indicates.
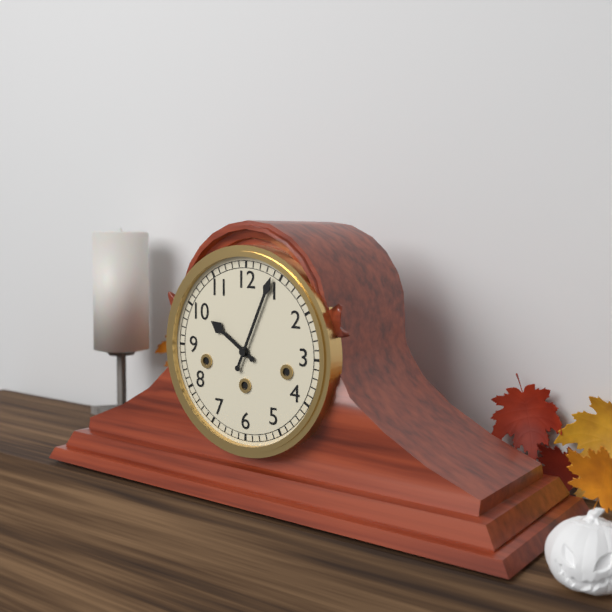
10:04
